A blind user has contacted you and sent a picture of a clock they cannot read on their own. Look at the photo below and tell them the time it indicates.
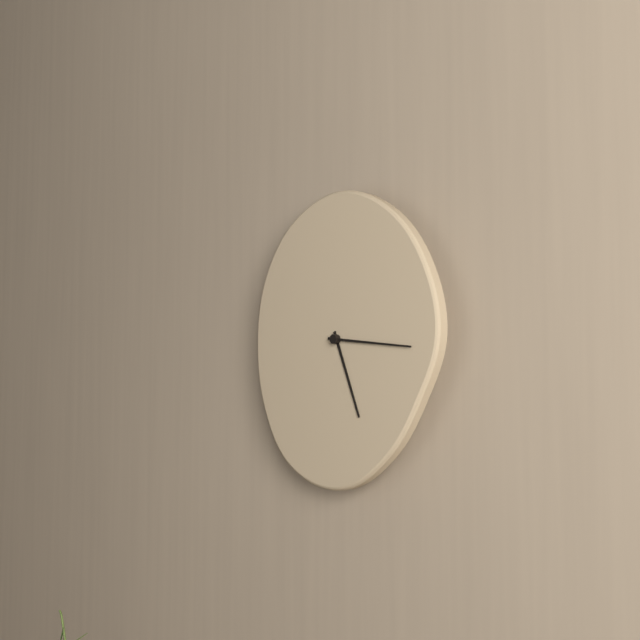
5:16
